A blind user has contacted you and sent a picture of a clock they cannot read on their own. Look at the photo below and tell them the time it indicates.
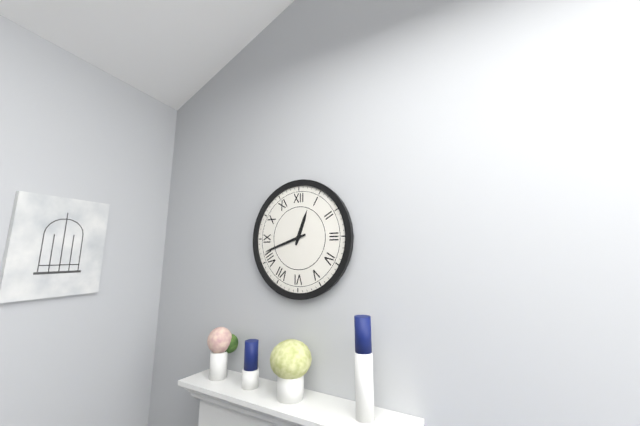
12:42
